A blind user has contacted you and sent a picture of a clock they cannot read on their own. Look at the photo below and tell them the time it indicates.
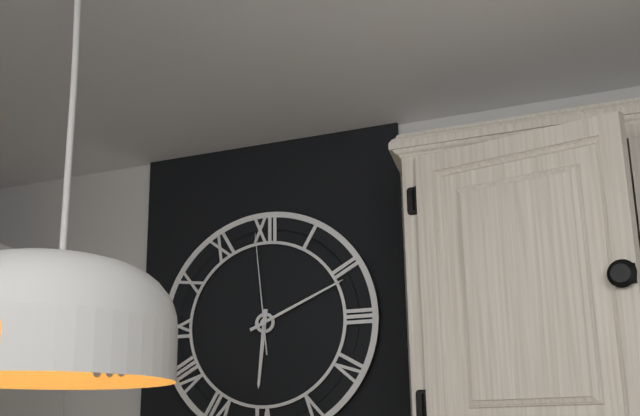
6:11:59
